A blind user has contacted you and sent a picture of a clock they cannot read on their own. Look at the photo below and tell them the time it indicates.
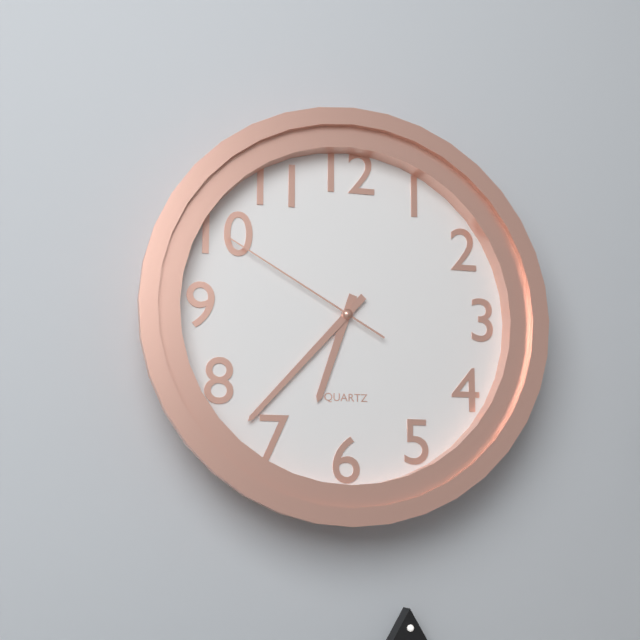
6:37:50
